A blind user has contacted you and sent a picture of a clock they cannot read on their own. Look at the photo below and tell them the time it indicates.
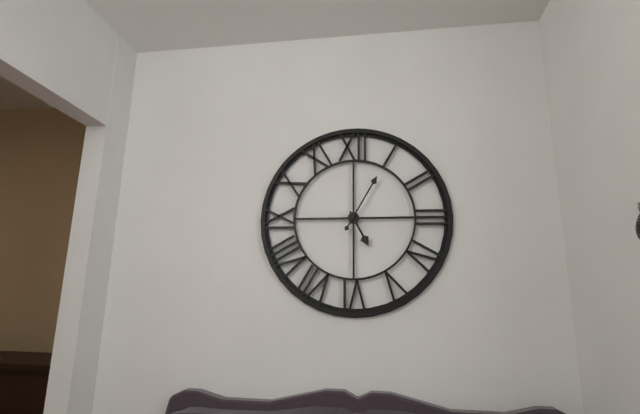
5:05
